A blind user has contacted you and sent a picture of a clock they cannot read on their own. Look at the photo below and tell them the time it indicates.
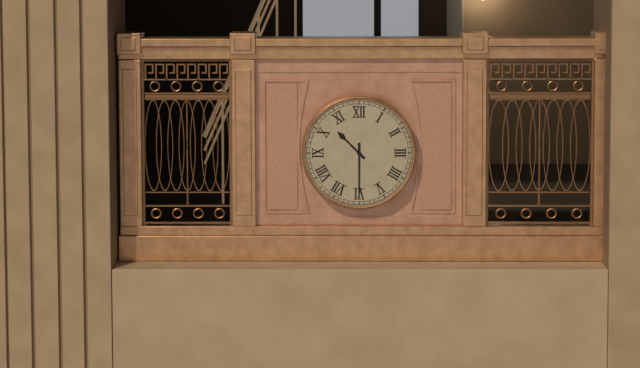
10:30
